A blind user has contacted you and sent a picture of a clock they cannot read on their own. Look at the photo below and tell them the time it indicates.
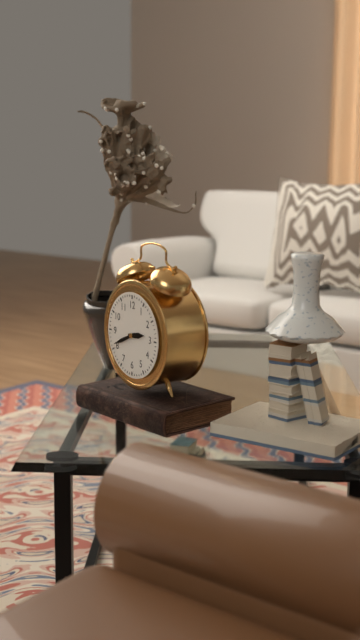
2:41
